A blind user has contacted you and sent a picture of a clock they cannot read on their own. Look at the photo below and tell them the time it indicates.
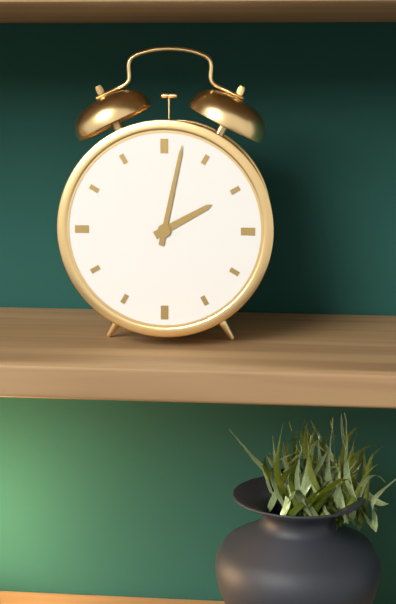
2:02
